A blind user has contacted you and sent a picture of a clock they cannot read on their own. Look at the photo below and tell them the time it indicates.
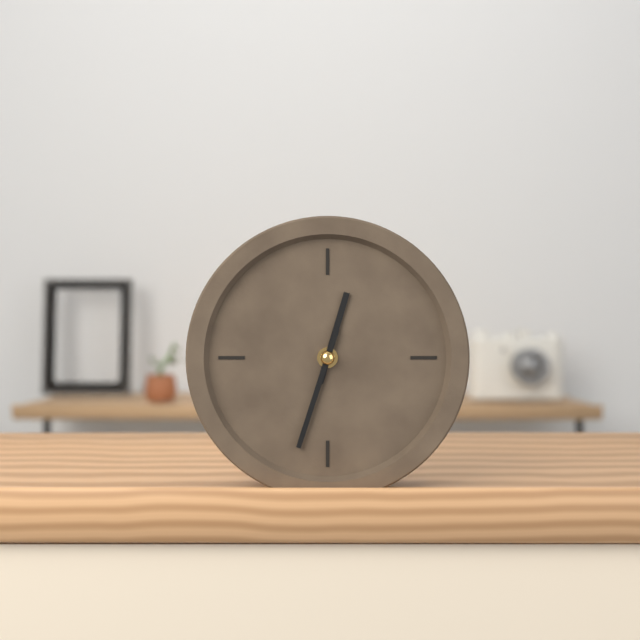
12:33
